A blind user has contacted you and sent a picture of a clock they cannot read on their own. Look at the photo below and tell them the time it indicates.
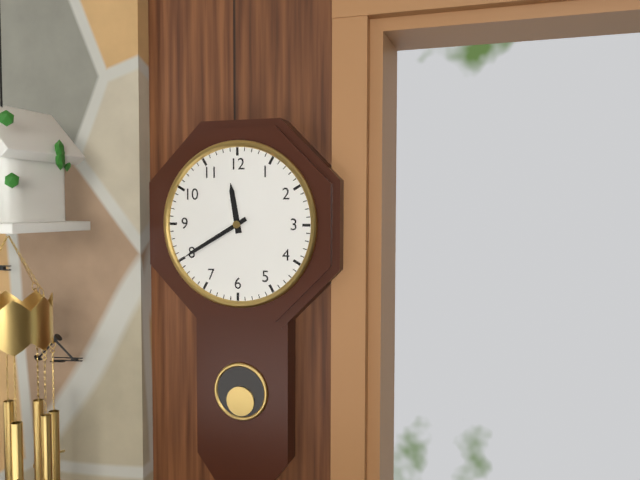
11:40
